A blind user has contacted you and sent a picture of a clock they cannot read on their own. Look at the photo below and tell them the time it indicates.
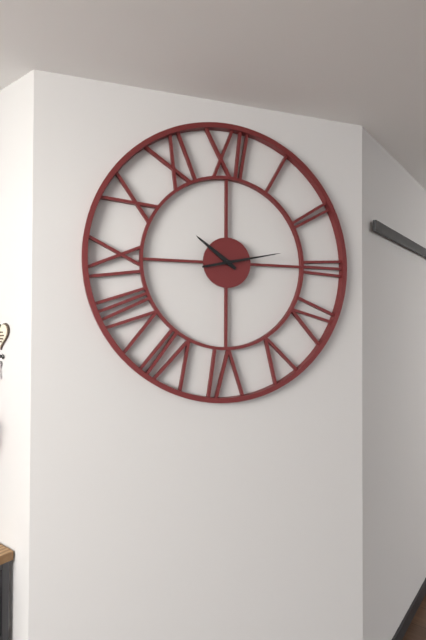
10:13
